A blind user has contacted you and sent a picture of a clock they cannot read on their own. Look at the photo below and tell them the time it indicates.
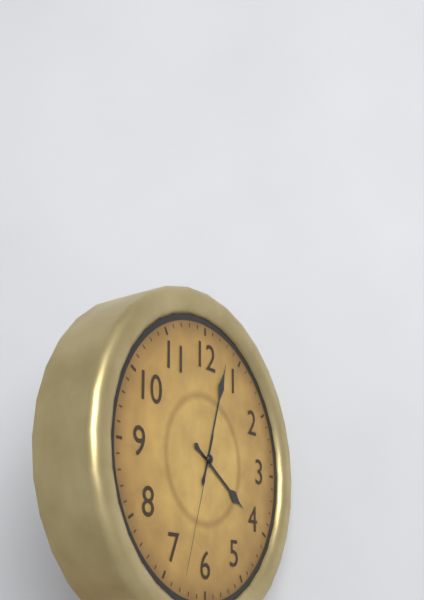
4:03:33
